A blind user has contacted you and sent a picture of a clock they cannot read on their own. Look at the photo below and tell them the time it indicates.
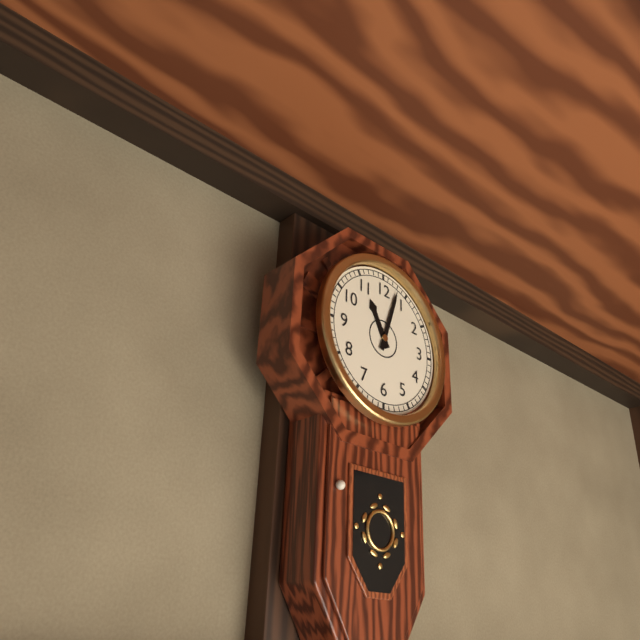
11:03
